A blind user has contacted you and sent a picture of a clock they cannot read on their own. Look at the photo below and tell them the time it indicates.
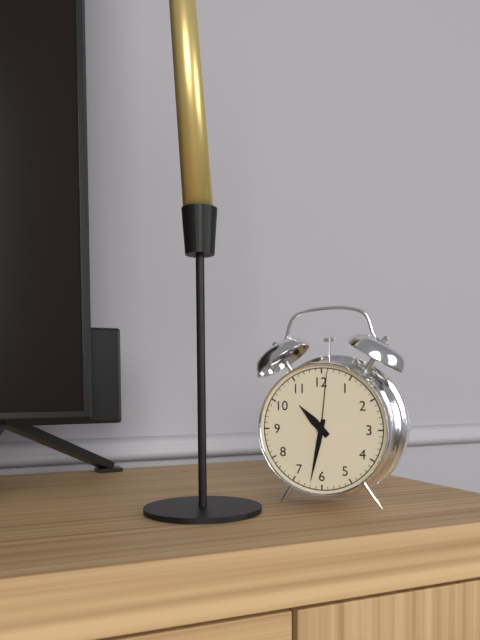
10:32:01
